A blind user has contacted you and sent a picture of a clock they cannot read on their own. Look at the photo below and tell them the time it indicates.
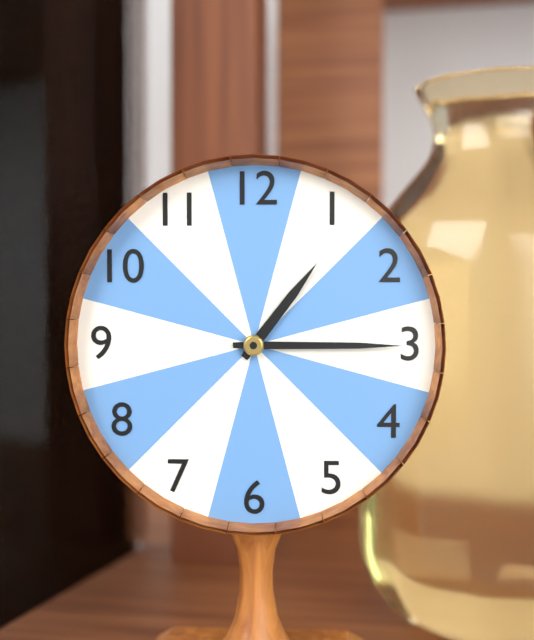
1:15
